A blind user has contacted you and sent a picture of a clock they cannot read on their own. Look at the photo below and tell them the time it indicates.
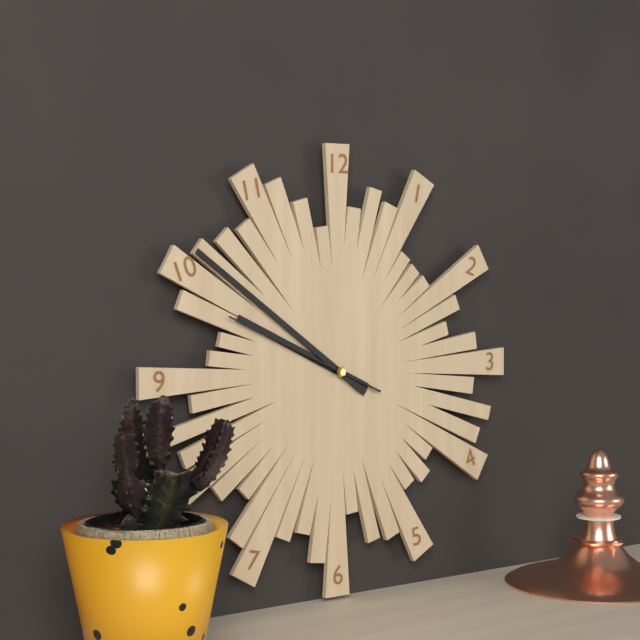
9:51:49
